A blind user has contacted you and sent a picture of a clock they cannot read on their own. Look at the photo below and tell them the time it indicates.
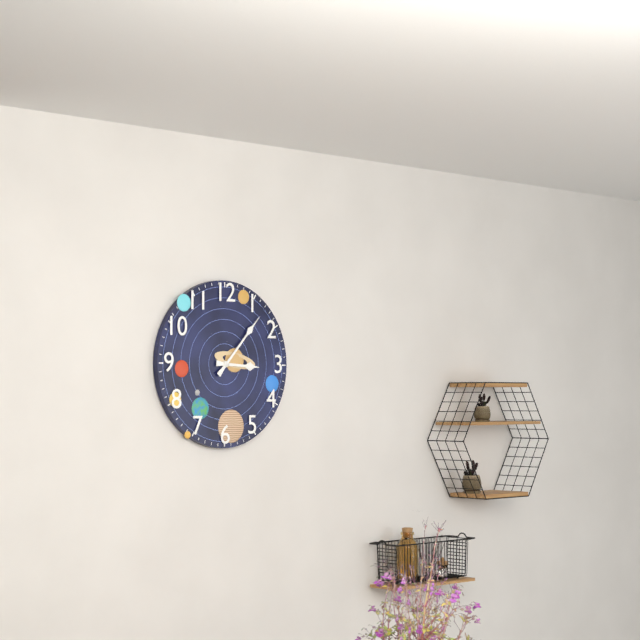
3:07
